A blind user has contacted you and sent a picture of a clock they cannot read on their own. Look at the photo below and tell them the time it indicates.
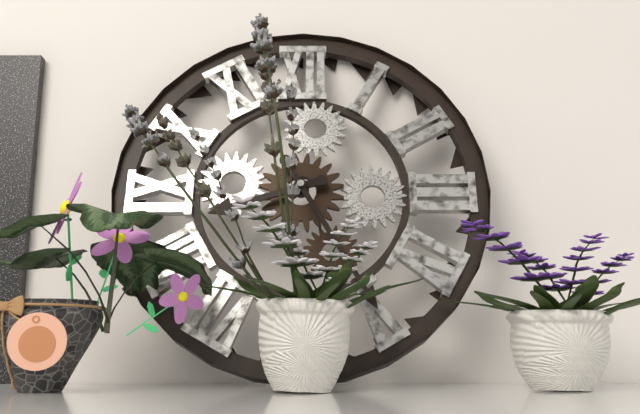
8:25
